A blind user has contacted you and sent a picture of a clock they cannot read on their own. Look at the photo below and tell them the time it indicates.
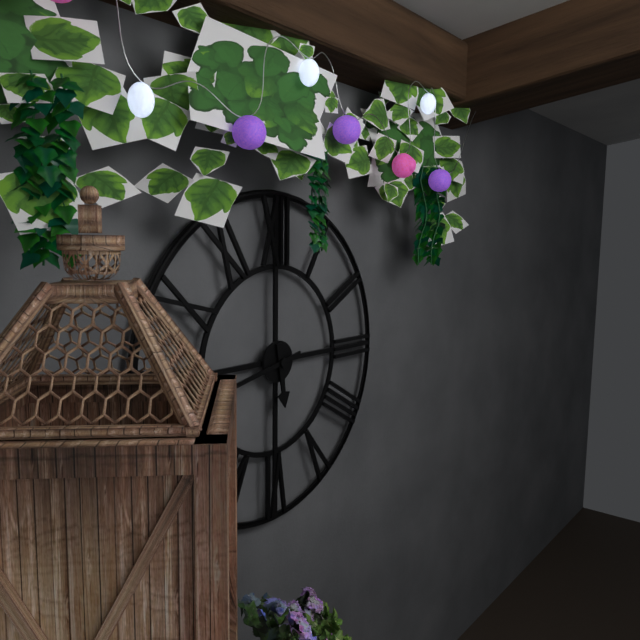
5:43
